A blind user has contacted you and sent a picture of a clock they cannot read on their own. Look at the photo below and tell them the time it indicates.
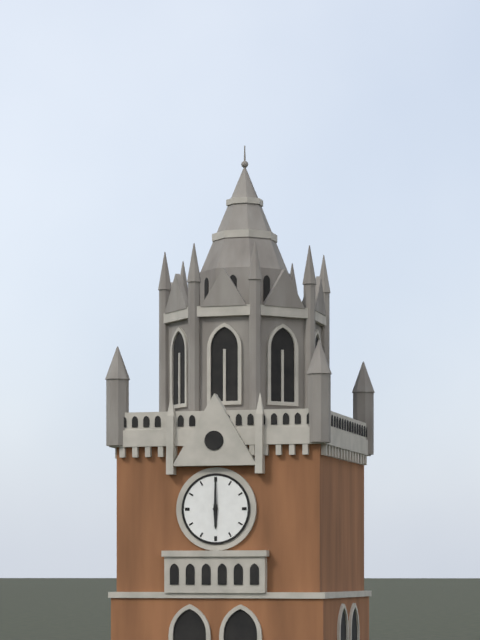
6:00
